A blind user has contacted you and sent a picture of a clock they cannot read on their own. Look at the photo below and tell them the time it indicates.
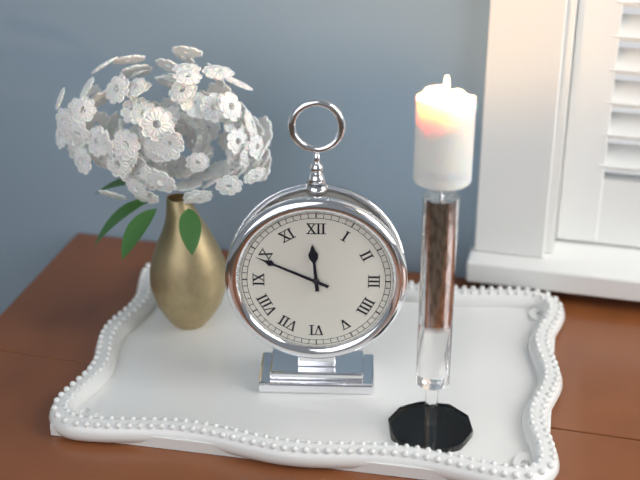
11:49
